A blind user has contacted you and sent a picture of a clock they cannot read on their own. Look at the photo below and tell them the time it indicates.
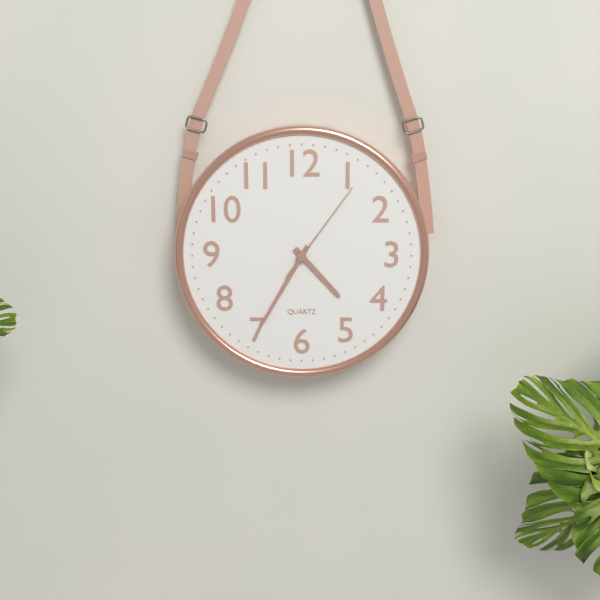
4:35:06
